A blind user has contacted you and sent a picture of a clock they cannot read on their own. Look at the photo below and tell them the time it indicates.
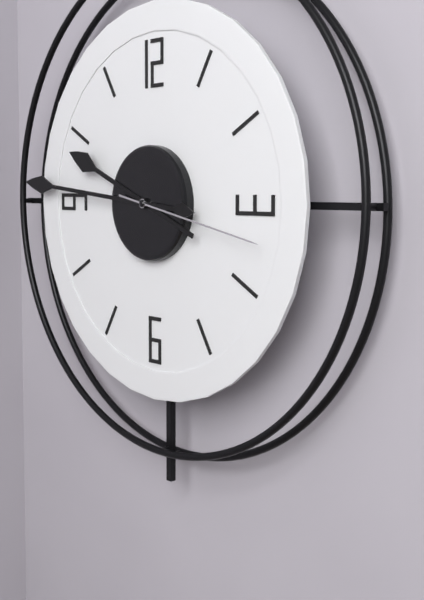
9:46:17
